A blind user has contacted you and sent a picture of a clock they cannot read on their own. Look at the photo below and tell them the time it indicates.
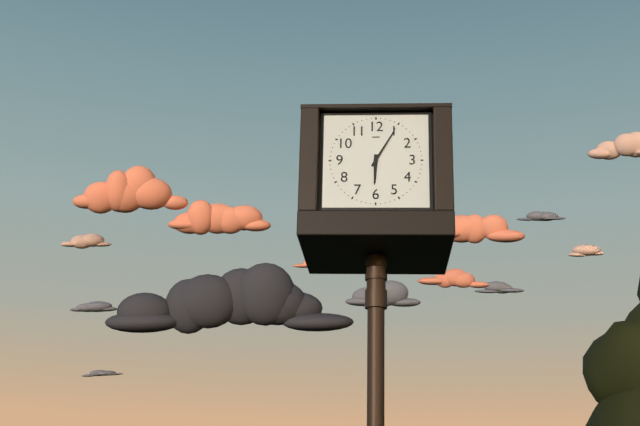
6:05
